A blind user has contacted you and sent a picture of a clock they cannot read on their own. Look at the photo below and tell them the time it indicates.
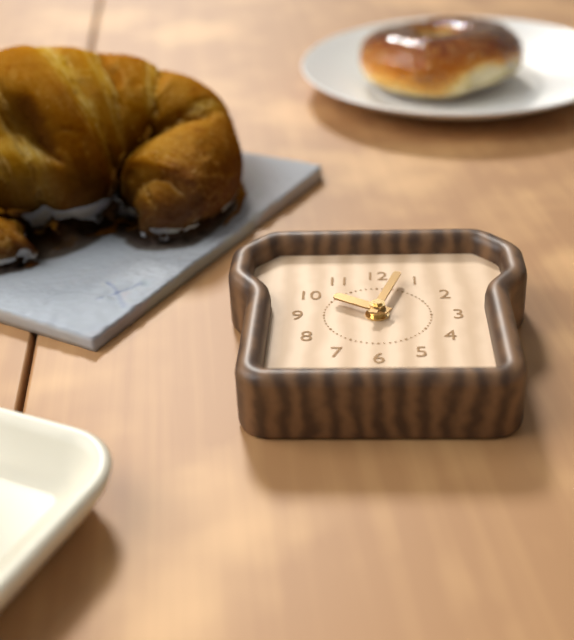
10:03
